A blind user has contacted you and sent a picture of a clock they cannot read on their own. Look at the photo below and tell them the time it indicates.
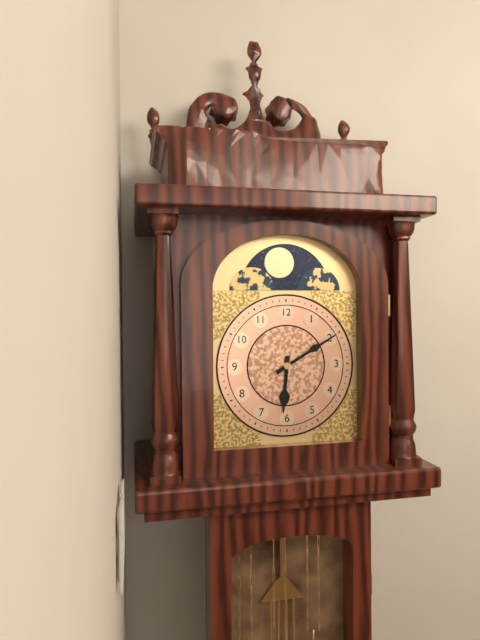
6:10
